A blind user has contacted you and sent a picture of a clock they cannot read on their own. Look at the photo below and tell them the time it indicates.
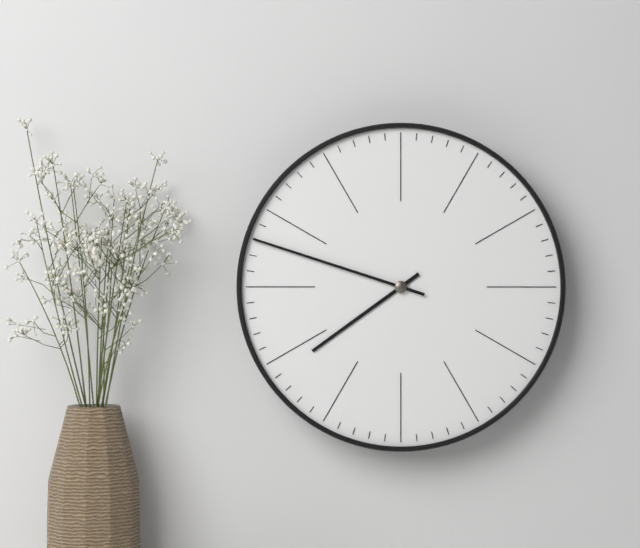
7:48
